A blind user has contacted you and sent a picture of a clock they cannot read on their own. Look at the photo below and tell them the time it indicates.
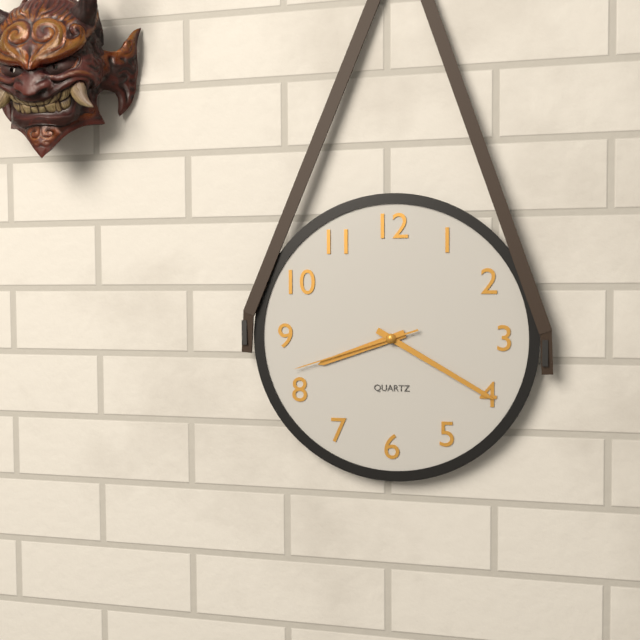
8:20:42
